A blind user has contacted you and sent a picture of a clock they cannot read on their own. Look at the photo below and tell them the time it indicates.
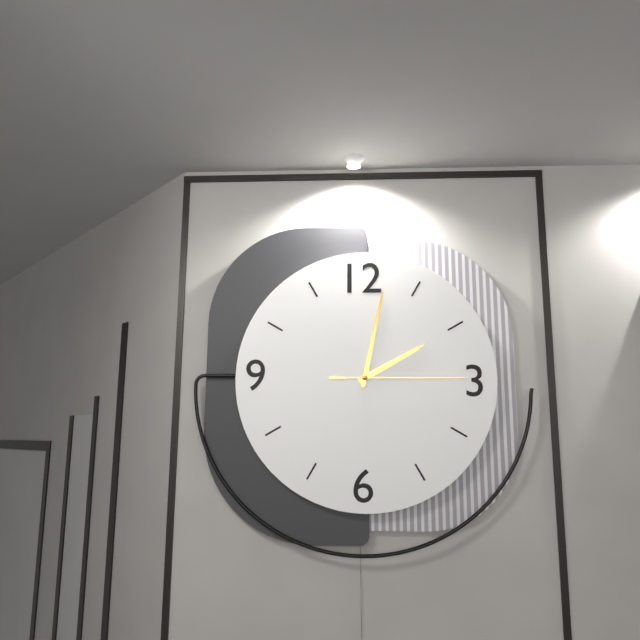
2:02:15
